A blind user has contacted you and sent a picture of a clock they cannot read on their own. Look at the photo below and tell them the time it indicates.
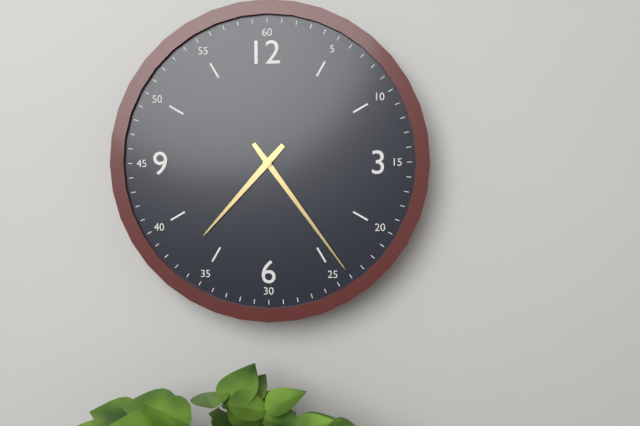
7:24
